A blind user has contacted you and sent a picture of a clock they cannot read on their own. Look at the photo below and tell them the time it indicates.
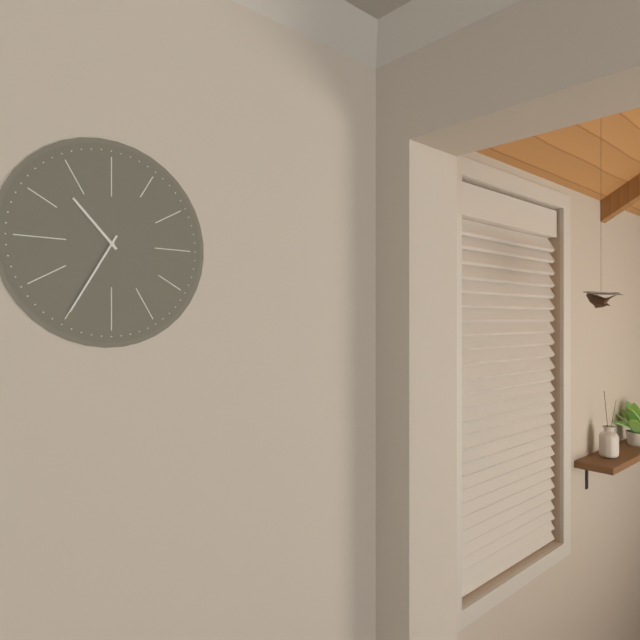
10:35
